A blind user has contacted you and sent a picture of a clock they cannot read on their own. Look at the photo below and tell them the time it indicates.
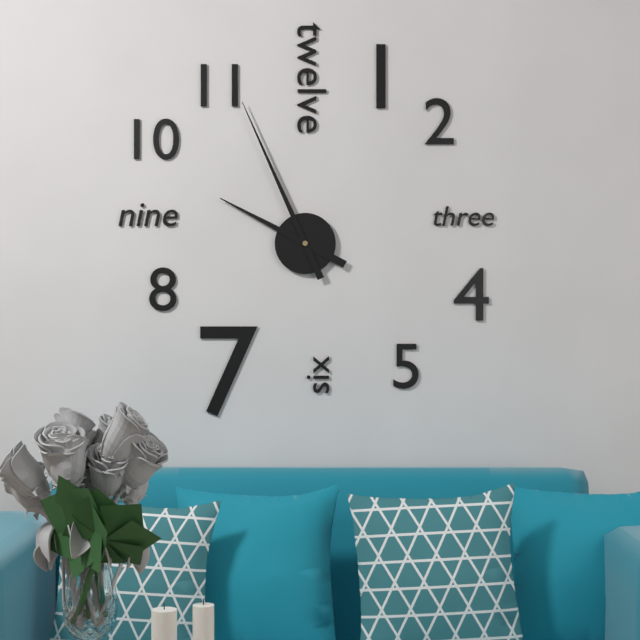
9:56
